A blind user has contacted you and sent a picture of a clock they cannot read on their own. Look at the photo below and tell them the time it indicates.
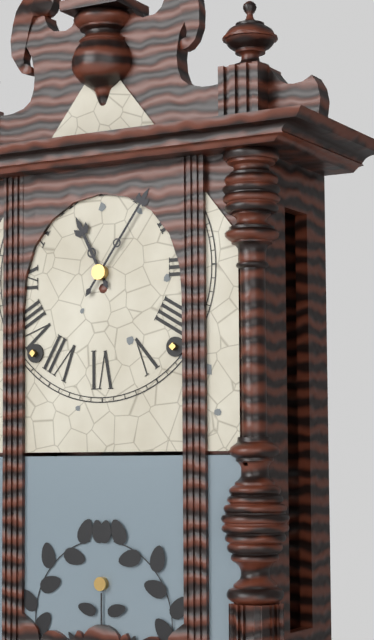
11:06
